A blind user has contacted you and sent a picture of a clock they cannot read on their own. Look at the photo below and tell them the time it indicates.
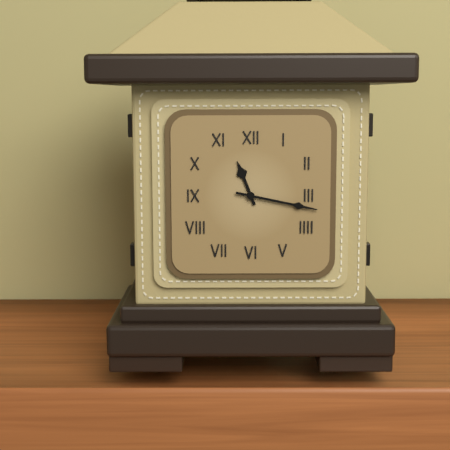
11:17
